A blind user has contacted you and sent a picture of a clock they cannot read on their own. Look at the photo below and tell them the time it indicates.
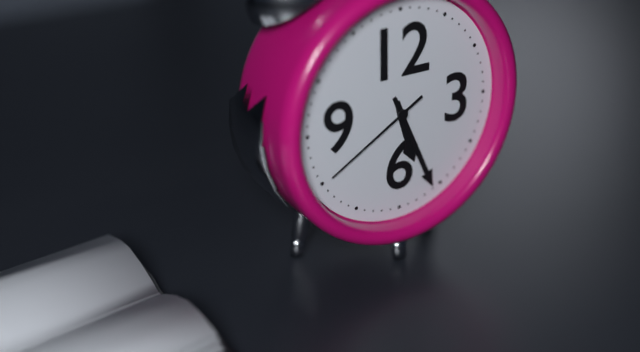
5:26:40
